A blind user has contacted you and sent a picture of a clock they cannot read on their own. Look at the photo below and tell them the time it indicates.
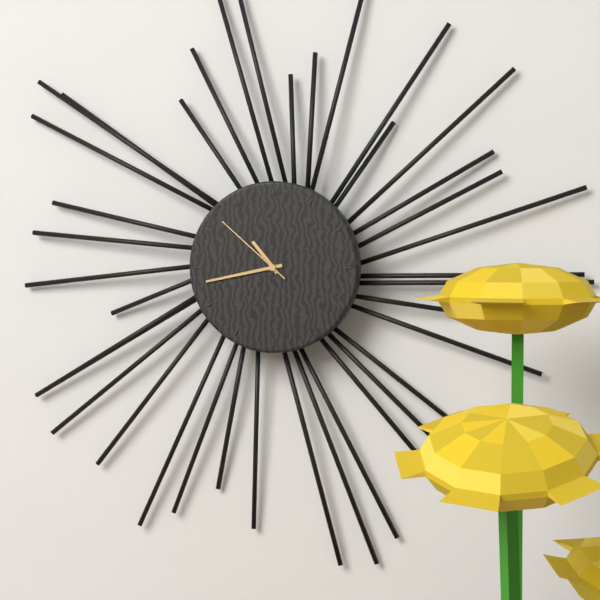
10:43:52
